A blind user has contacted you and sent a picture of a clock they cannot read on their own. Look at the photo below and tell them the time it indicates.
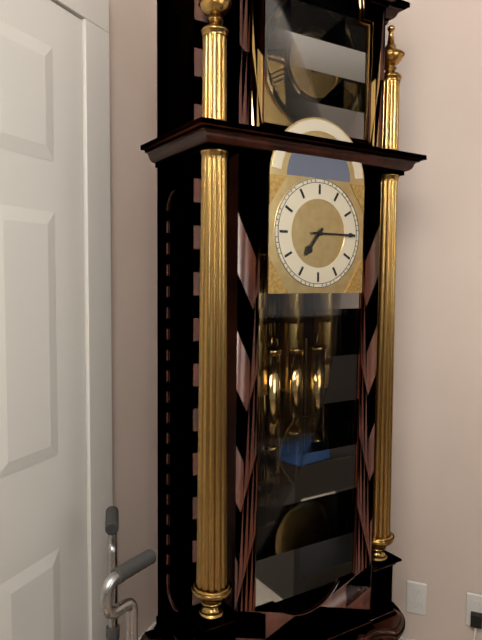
7:15
